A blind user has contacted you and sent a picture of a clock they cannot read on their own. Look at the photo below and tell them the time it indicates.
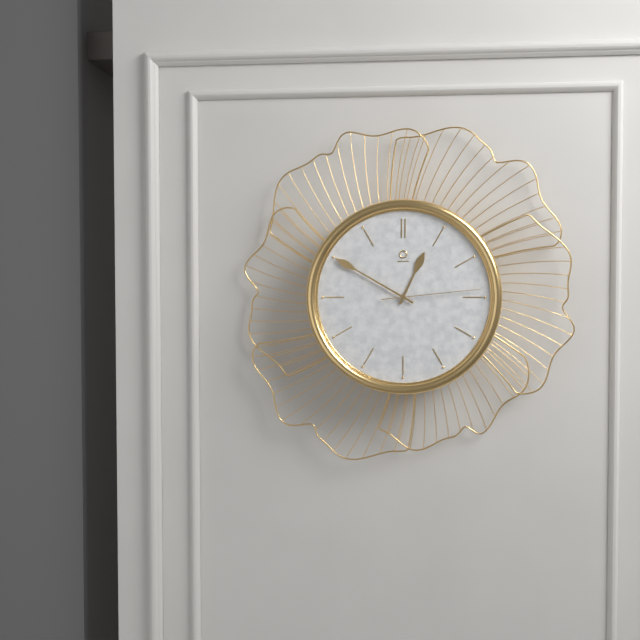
12:50:14
